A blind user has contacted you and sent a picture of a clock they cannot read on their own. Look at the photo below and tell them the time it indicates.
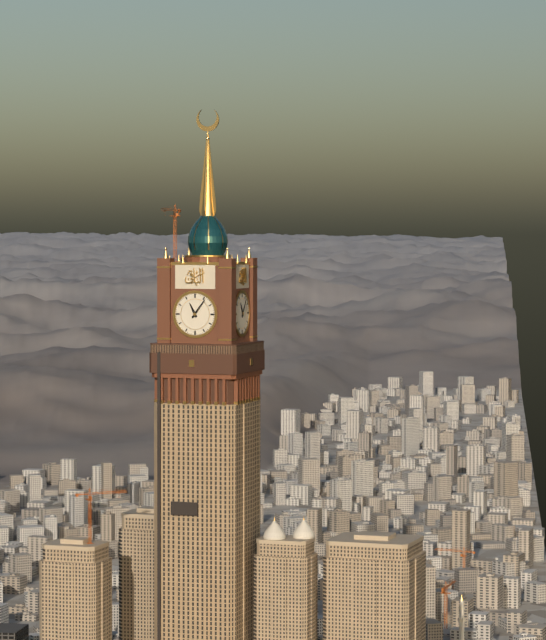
11:06
